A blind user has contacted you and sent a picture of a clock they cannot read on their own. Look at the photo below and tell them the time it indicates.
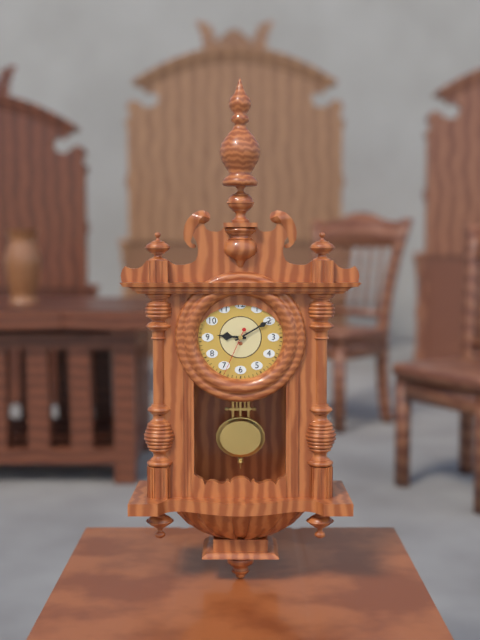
9:10:34
